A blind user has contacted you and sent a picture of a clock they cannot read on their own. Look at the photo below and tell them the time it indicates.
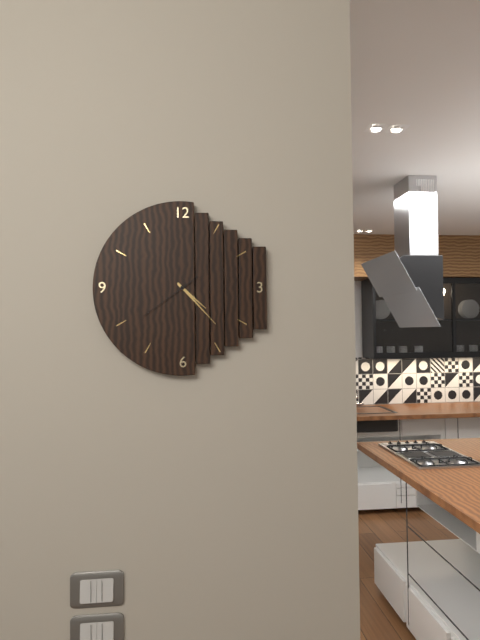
4:23:39
